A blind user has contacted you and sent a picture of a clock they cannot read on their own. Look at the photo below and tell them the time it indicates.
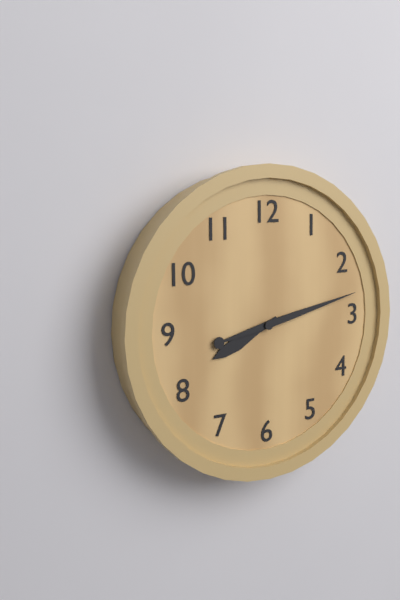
8:13
